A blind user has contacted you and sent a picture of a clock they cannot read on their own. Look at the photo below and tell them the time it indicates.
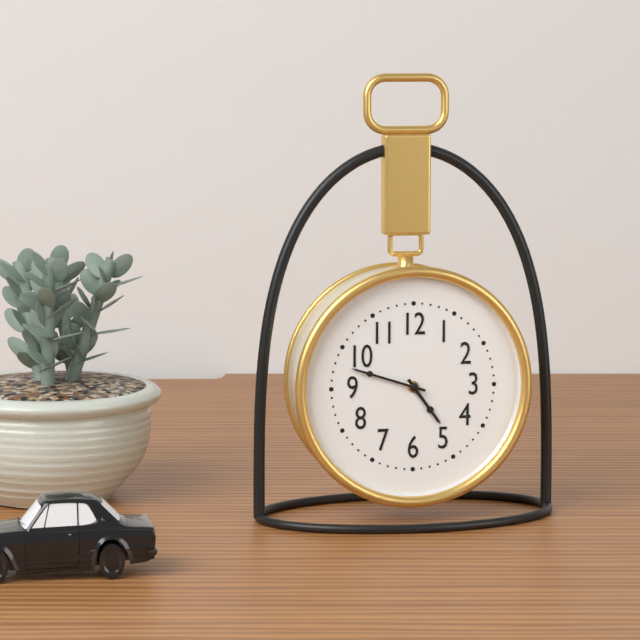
4:48
